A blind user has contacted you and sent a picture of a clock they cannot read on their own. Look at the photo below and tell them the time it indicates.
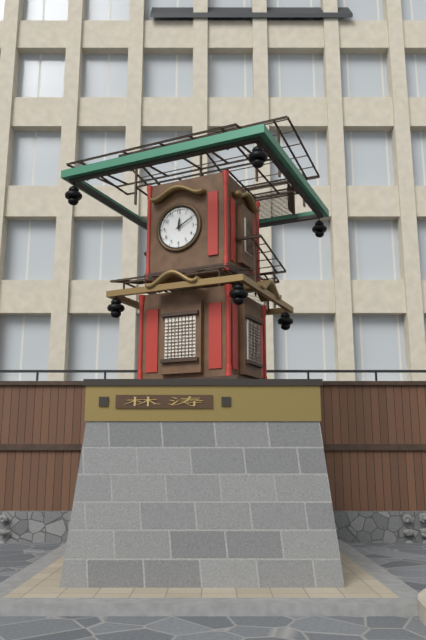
12:10
